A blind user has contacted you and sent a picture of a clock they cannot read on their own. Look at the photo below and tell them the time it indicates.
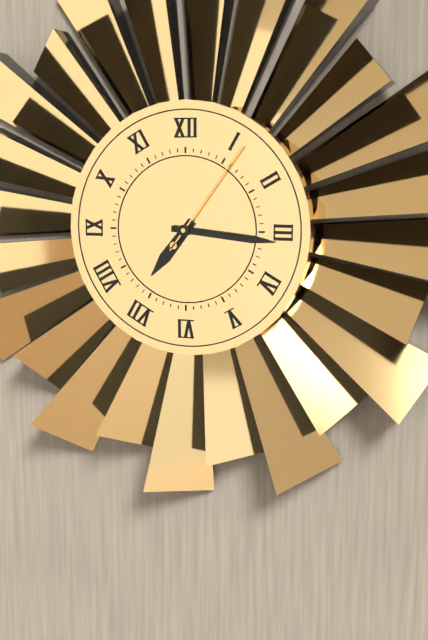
7:16:06
